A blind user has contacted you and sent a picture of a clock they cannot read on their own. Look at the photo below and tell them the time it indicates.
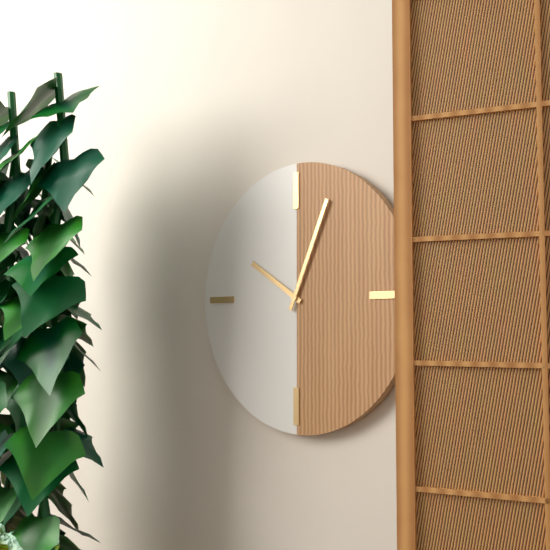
10:04
